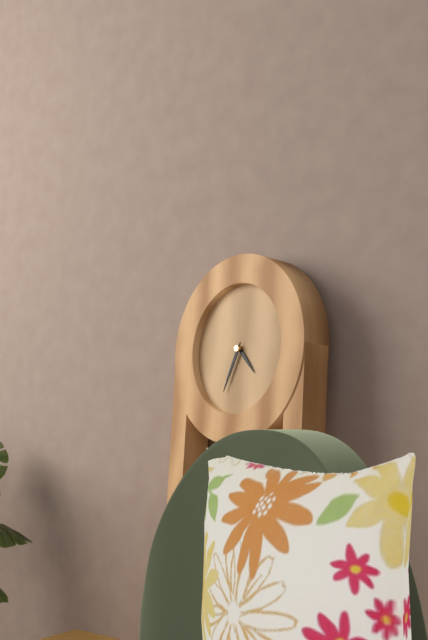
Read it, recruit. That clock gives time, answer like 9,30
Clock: 4,34
